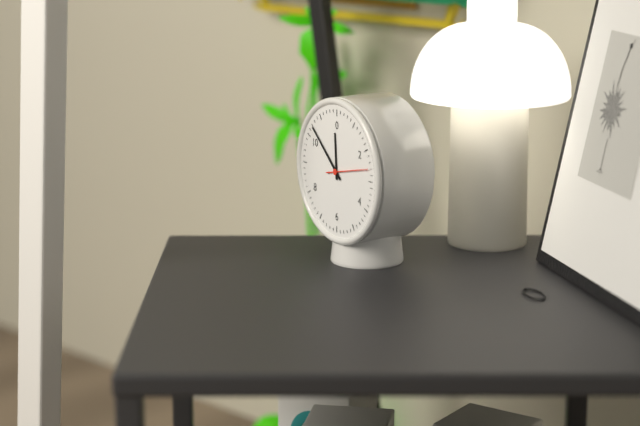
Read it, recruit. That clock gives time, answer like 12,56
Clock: 11,52
